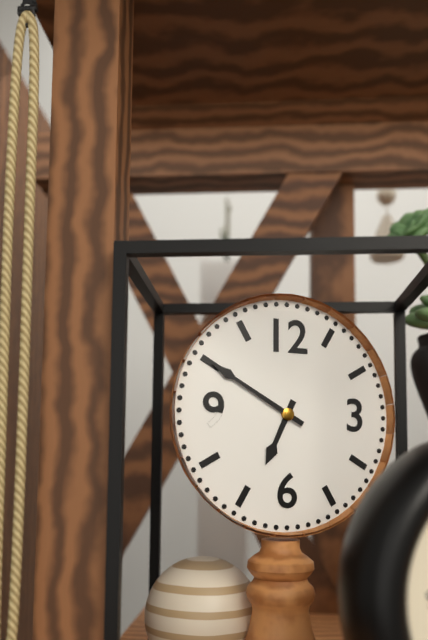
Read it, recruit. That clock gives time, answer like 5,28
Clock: 6,50
